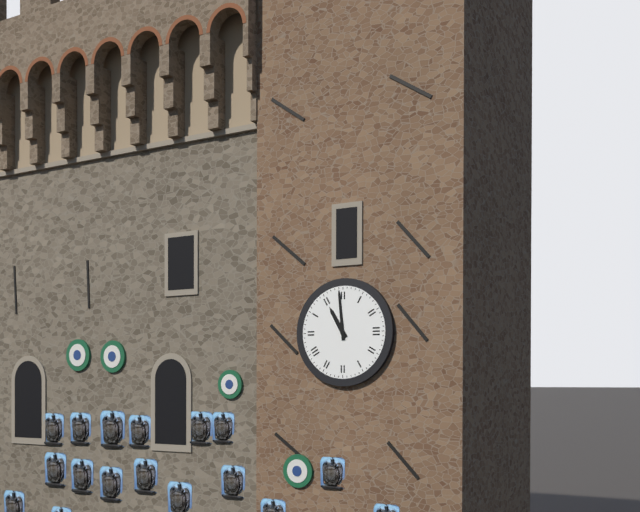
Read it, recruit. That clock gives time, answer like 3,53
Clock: 10,59
